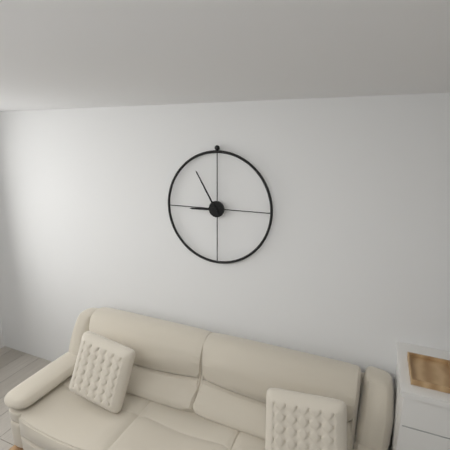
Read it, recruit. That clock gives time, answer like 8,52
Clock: 8,55
